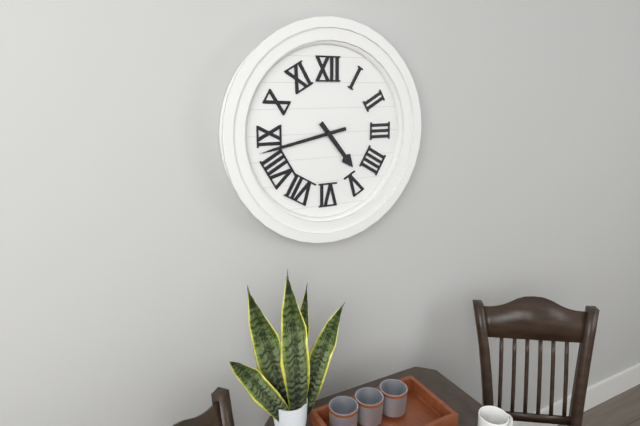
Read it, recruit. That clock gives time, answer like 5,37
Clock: 4,43
